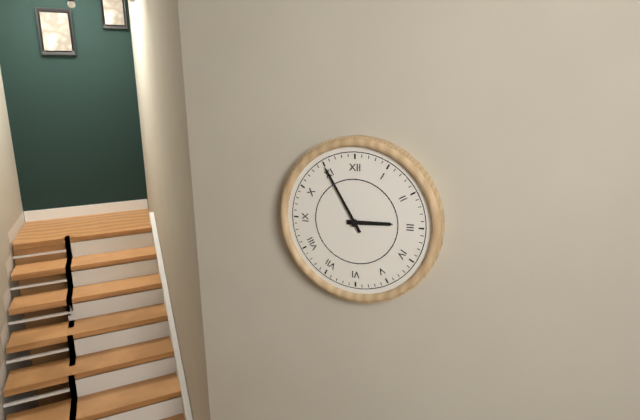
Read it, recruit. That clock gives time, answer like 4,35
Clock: 2,55
